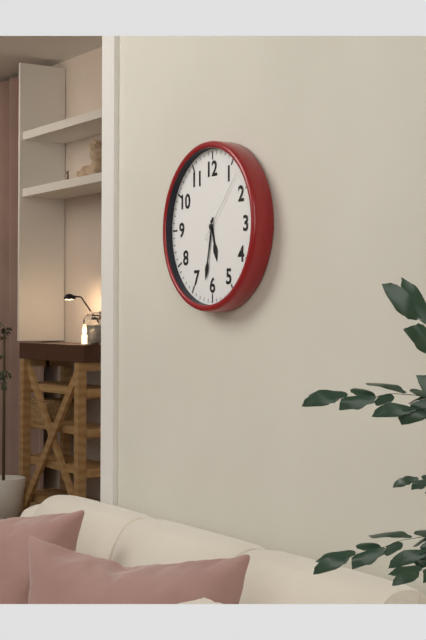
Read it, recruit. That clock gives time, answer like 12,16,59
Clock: 5,32,07
